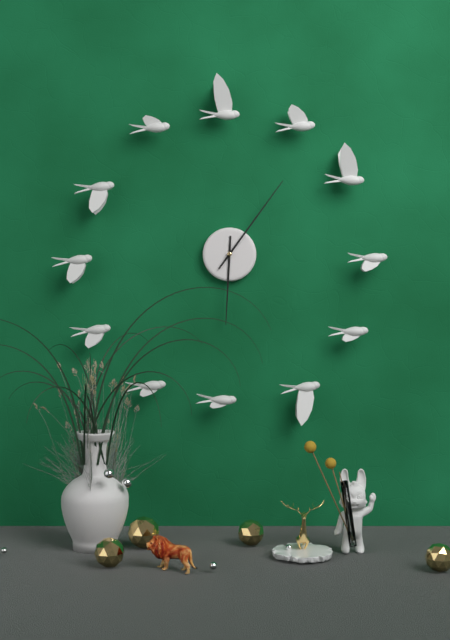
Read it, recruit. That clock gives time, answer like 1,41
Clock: 6,06
